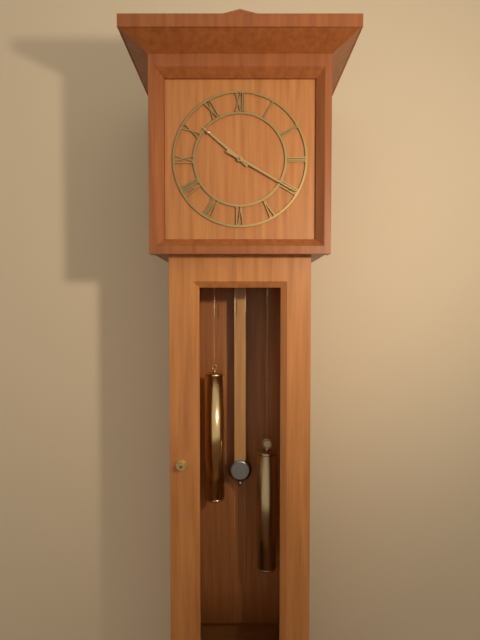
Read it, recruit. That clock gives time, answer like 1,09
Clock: 10,20
